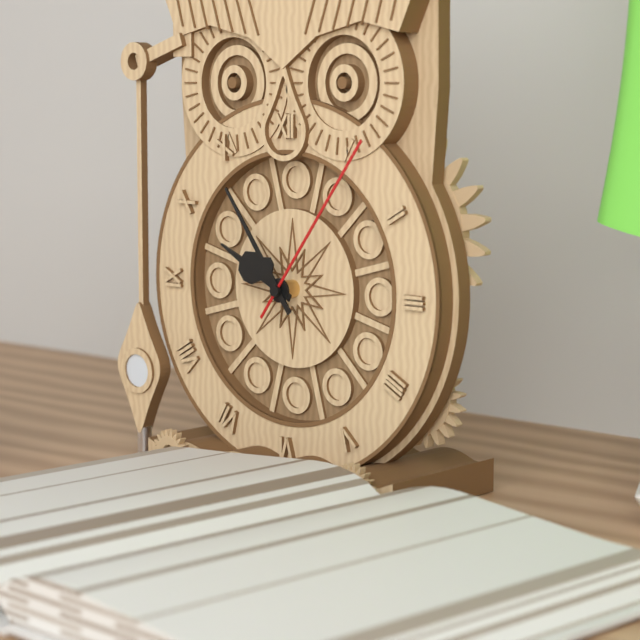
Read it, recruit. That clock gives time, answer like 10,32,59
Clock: 9,54,06
